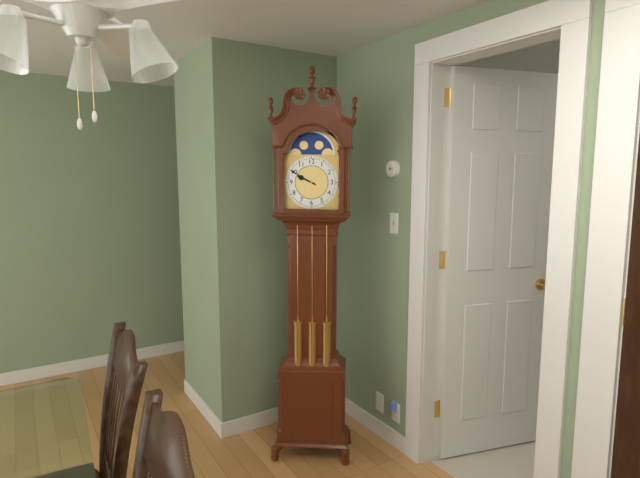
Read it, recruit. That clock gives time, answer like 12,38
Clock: 9,50
